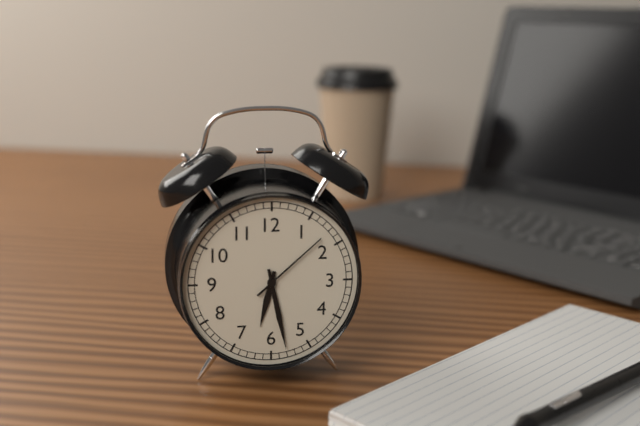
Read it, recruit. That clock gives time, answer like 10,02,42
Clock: 6,28,08
